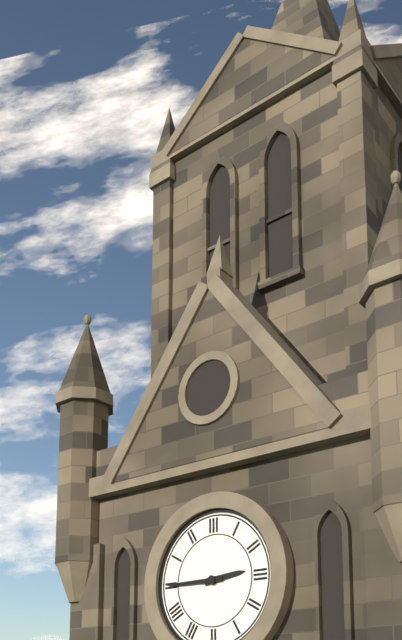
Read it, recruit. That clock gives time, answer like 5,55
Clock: 2,45
